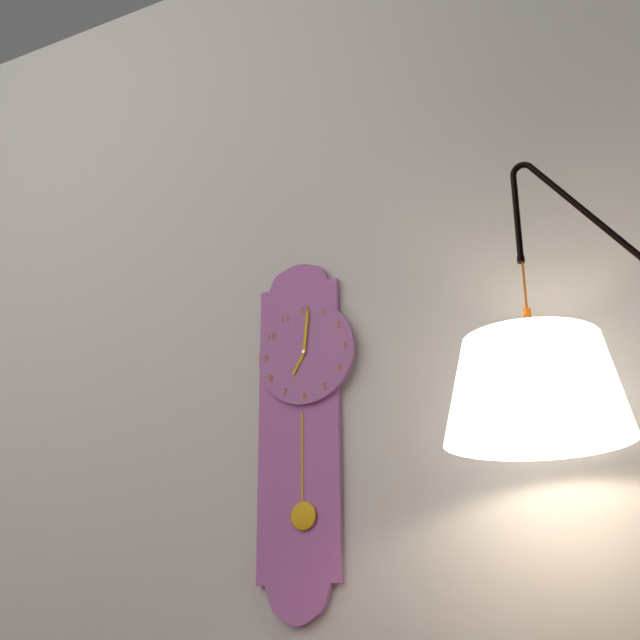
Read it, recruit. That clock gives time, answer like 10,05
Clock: 7,01
